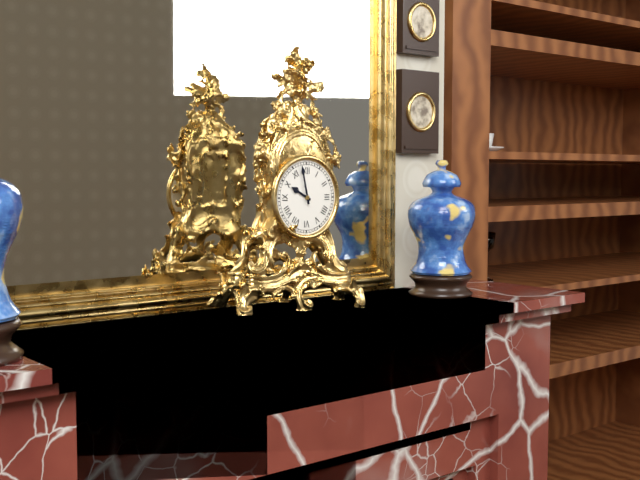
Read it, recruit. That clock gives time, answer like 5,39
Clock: 9,58
